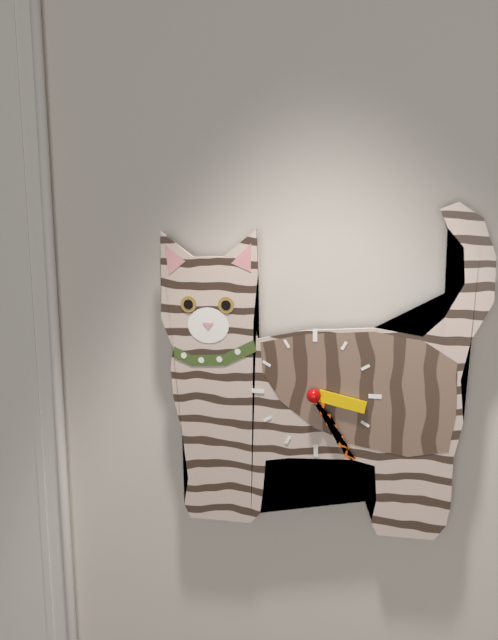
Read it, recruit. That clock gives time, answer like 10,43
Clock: 3,25
